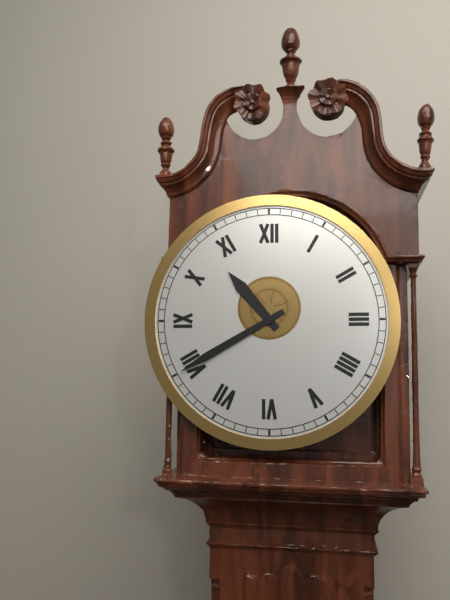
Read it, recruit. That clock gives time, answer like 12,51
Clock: 10,40
